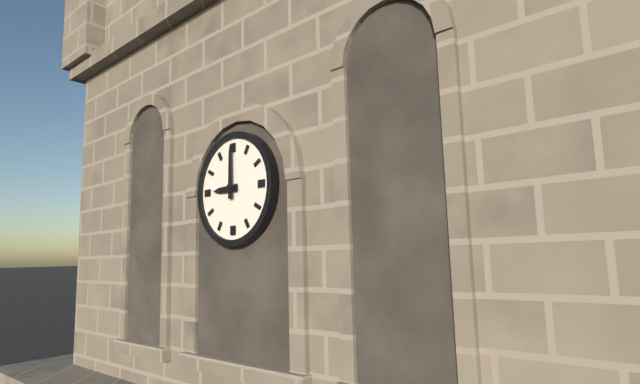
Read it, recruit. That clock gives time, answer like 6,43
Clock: 9,00
